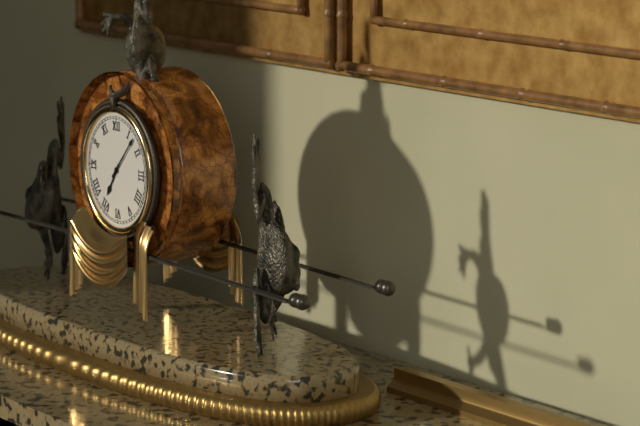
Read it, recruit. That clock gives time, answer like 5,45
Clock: 7,07
